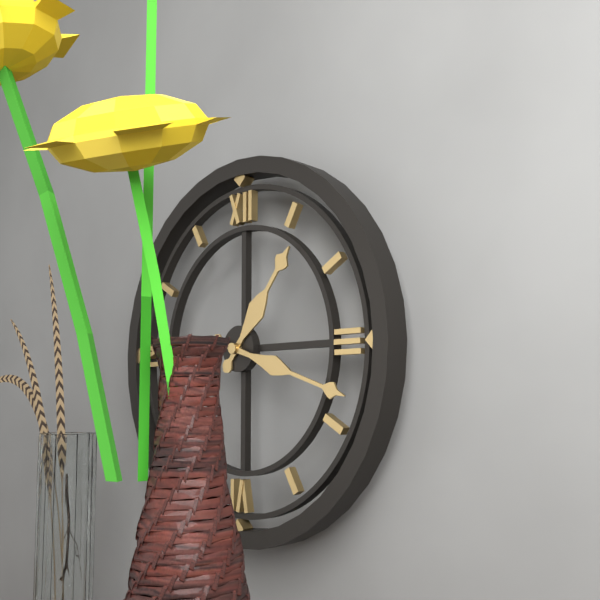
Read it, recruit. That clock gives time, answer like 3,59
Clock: 1,18
